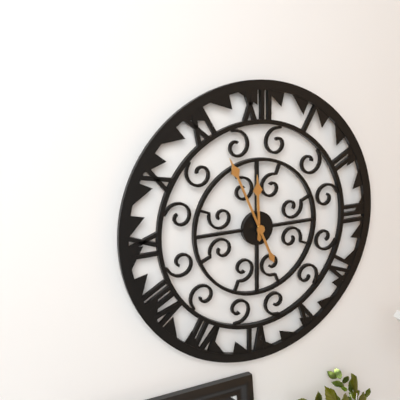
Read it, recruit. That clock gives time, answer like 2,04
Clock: 11,56
